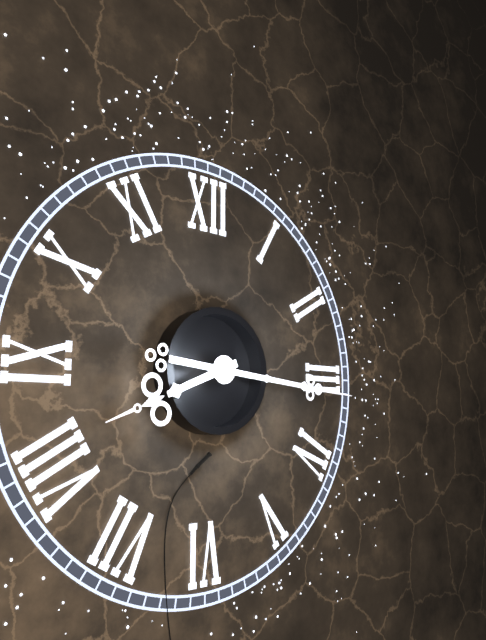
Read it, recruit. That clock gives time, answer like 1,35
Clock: 8,16
